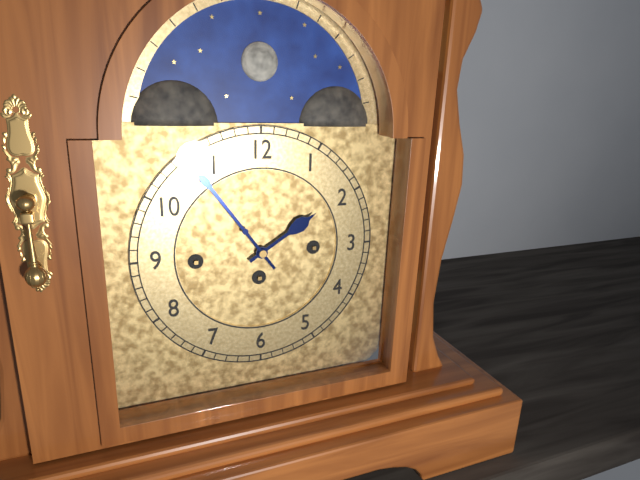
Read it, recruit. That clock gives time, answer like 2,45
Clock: 1,54
